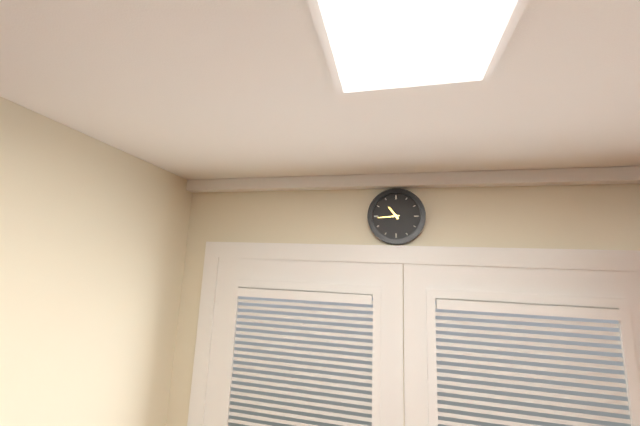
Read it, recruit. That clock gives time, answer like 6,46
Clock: 10,44
